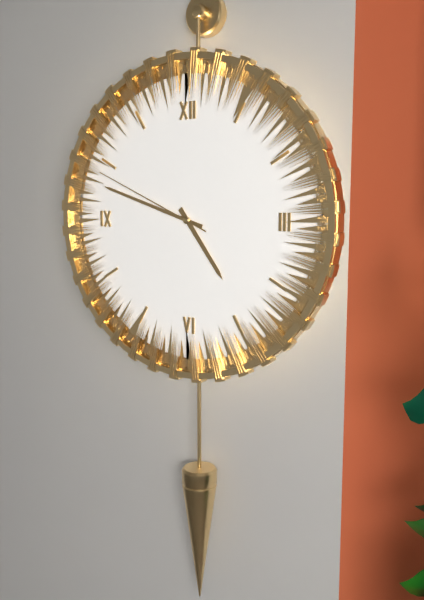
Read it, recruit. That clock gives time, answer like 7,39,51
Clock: 4,48,49
